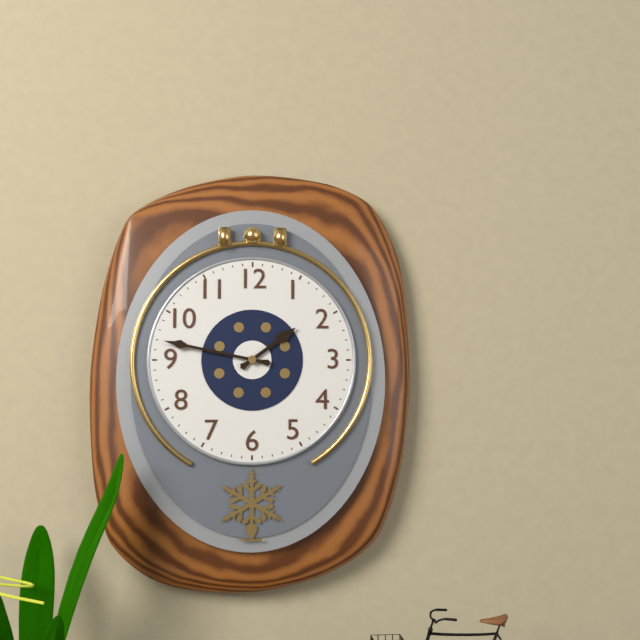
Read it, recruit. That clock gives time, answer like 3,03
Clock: 1,47
